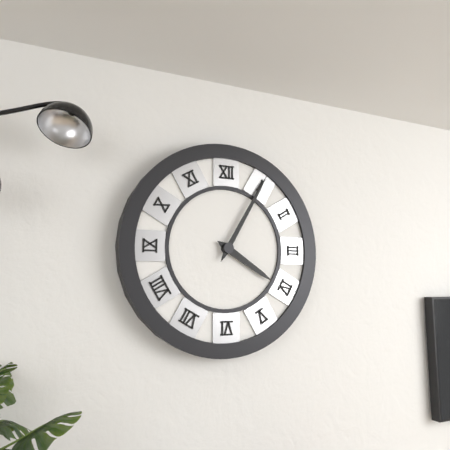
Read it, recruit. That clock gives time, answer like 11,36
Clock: 4,05
